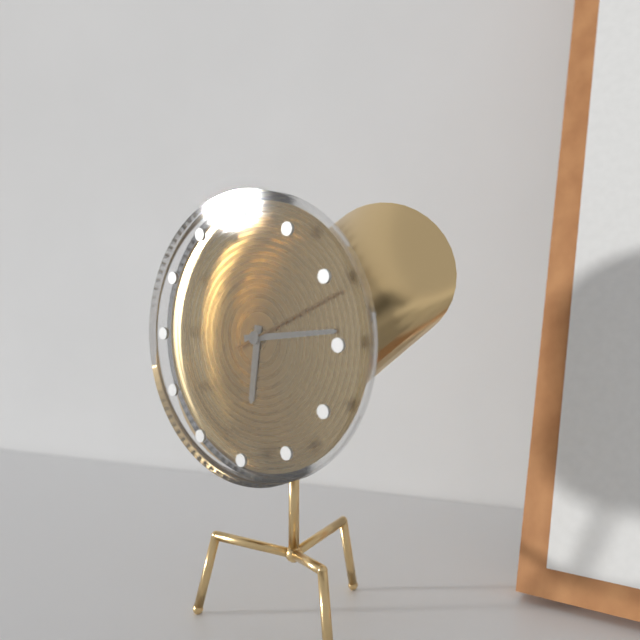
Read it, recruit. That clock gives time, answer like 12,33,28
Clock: 6,14,11
